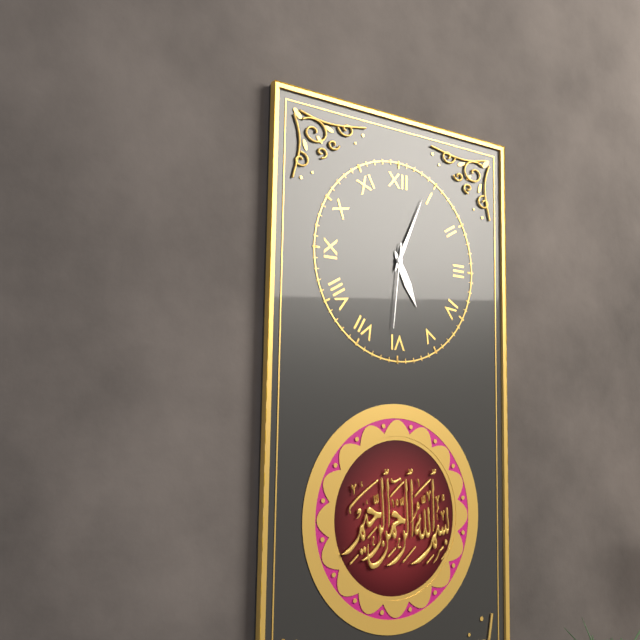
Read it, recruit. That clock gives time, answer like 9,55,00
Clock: 5,04,31
